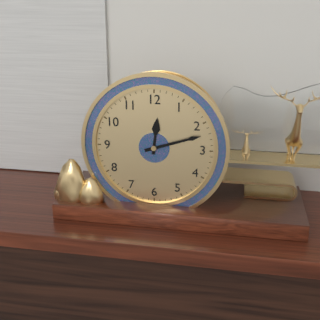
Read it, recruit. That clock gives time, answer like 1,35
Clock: 12,12
